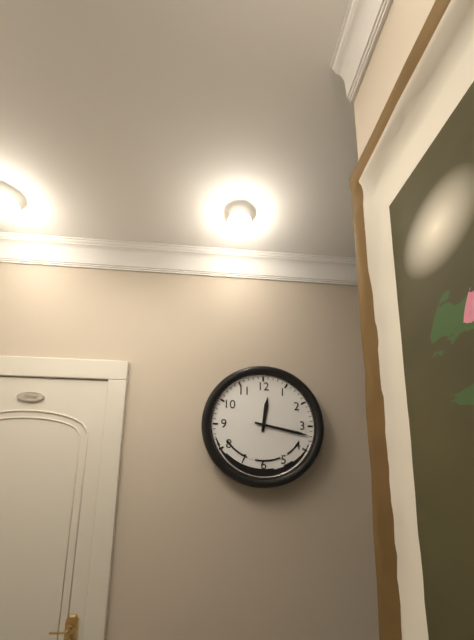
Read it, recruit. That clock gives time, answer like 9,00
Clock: 12,17
